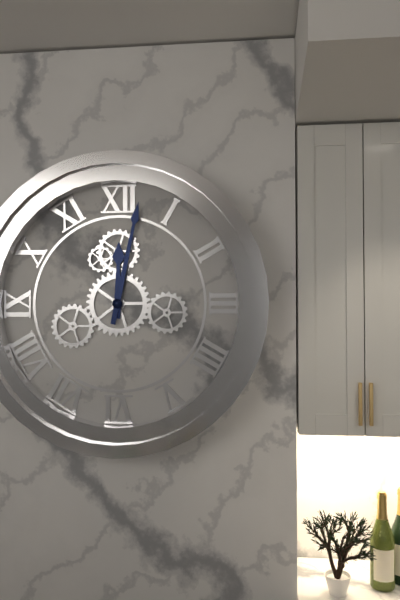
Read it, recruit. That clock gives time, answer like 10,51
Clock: 12,02
